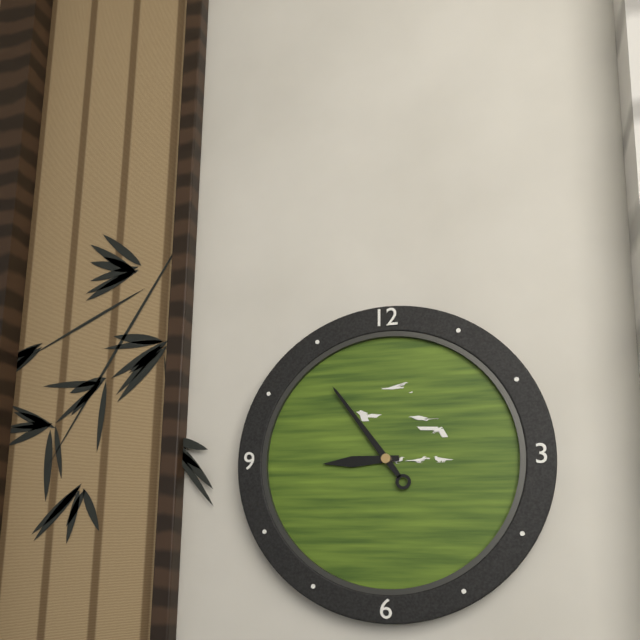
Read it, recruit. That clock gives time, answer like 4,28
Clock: 8,54
